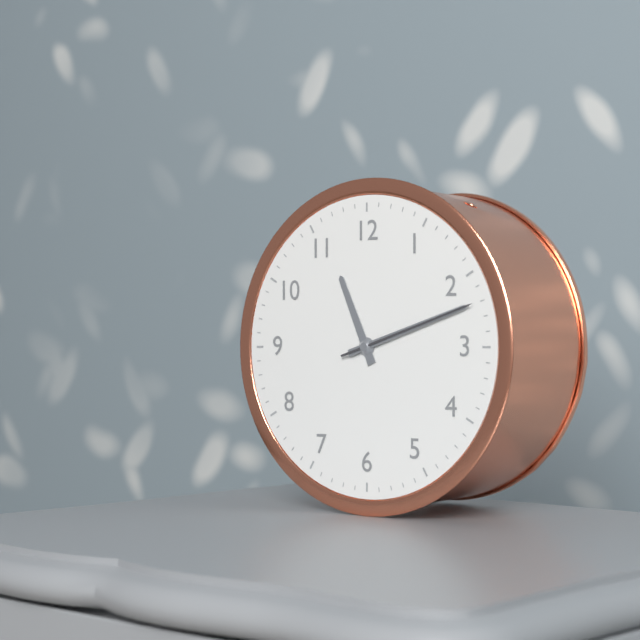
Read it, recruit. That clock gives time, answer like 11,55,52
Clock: 11,12,12
